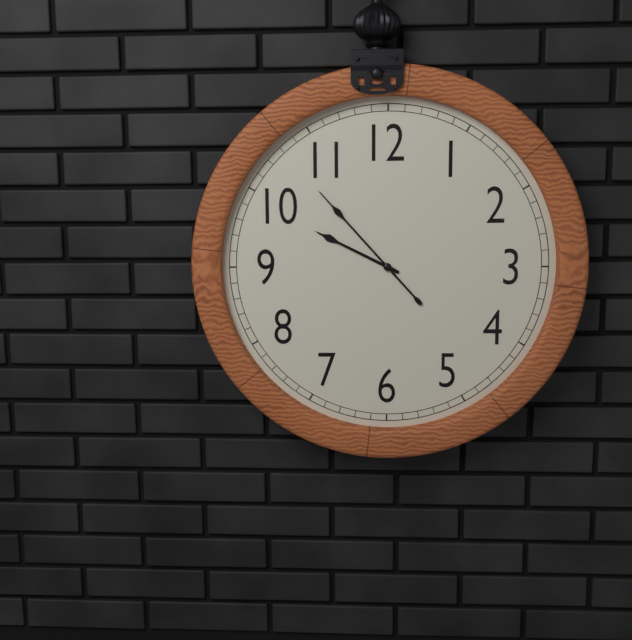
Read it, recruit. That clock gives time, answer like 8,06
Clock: 9,53
